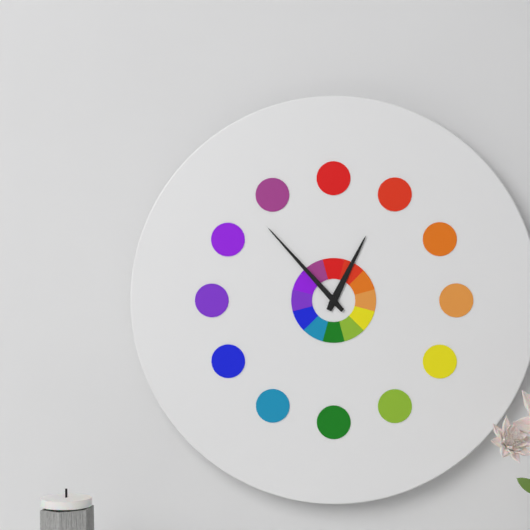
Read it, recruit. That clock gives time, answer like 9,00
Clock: 12,53
